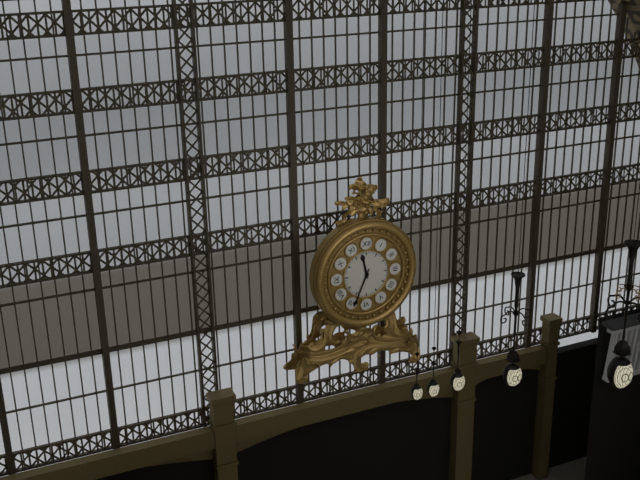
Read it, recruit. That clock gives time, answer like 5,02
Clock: 11,34
